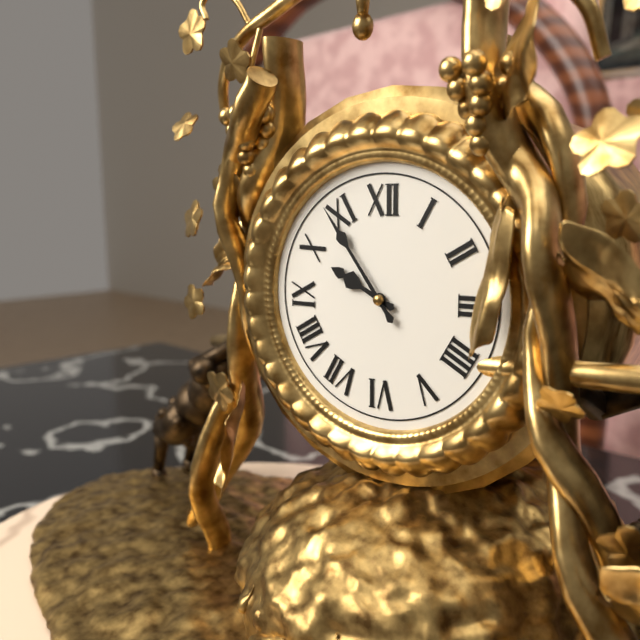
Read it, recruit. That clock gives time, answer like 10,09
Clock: 9,54
